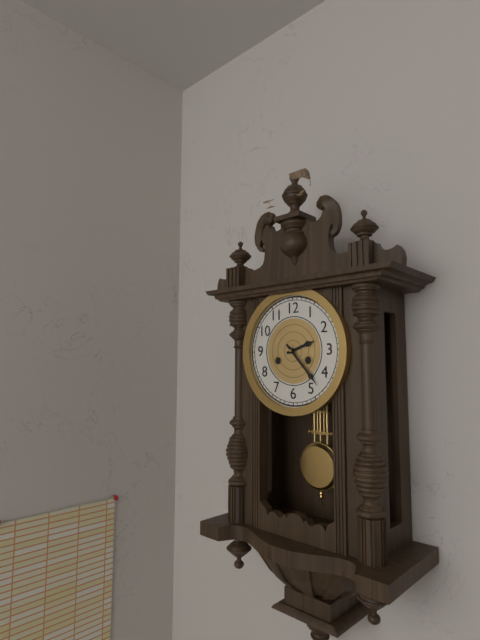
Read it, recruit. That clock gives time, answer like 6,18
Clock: 2,23
